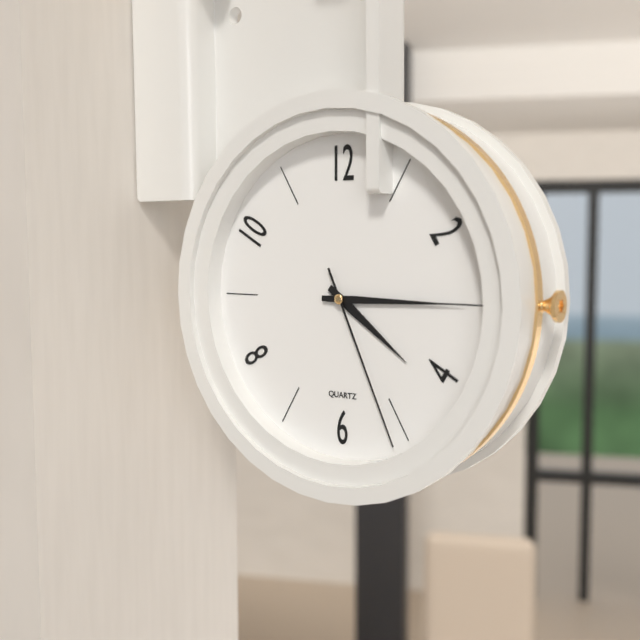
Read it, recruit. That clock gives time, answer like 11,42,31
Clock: 4,15,26
